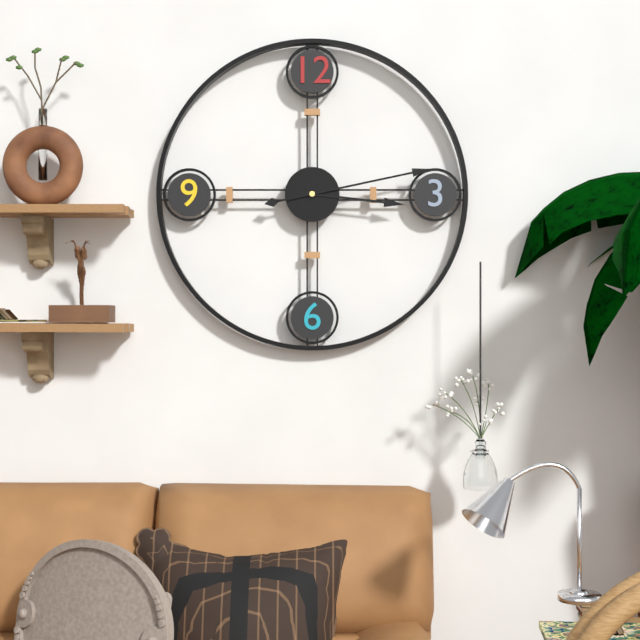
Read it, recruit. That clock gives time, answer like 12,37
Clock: 3,13
